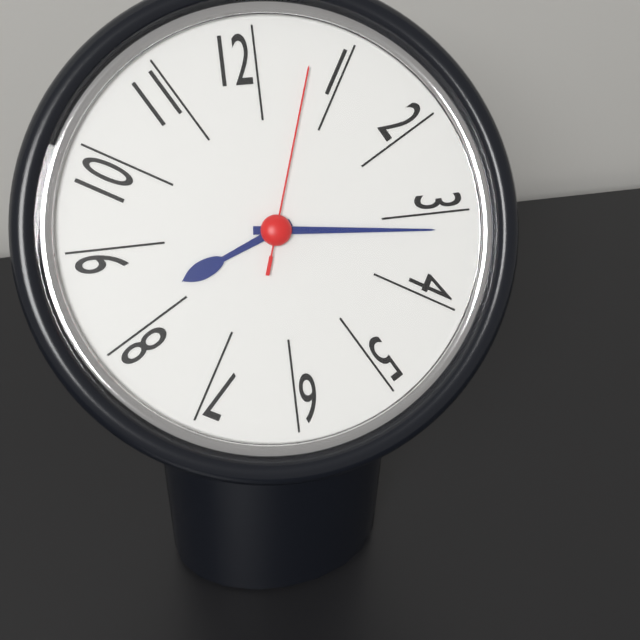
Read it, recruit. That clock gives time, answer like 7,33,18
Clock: 8,16,03
